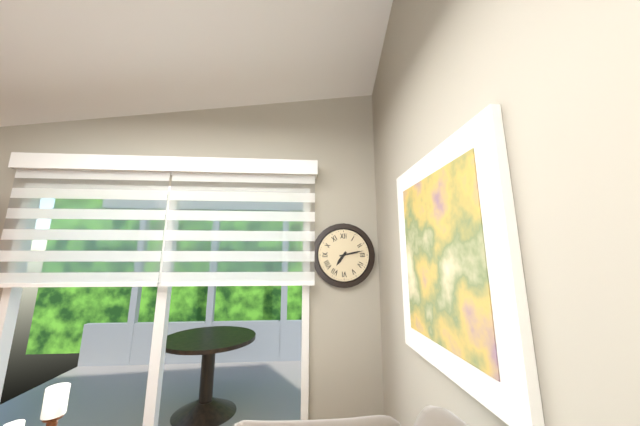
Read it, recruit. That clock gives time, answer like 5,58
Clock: 7,13
